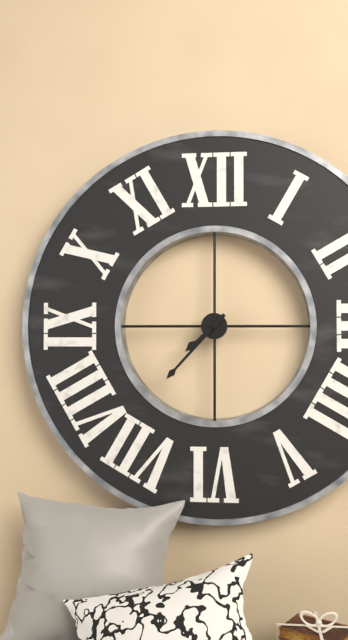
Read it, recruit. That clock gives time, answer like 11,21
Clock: 7,37
